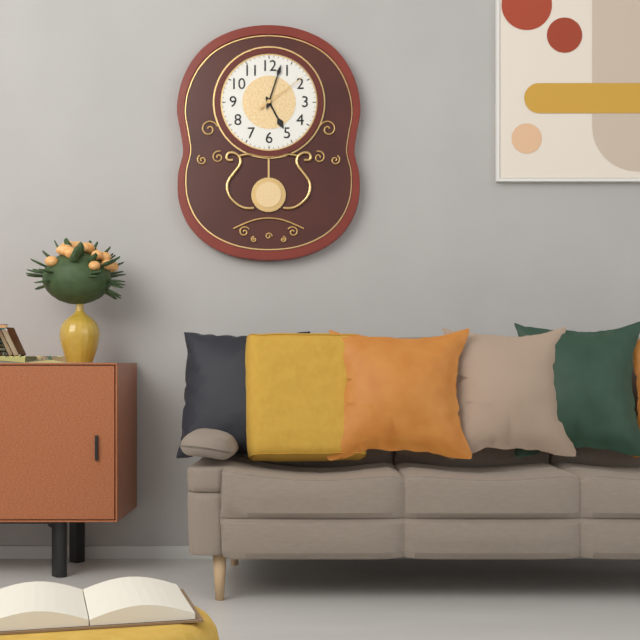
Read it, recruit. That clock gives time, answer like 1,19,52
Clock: 5,03,09
